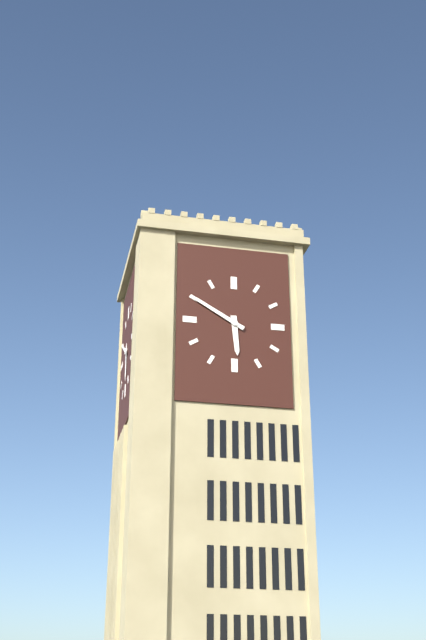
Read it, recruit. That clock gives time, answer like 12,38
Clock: 5,50
